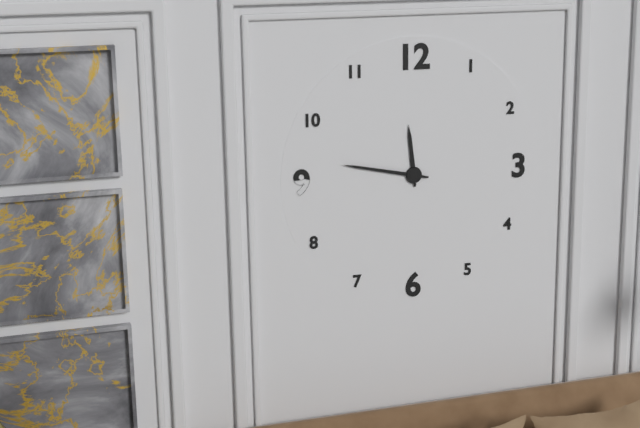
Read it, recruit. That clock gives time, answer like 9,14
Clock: 11,47
